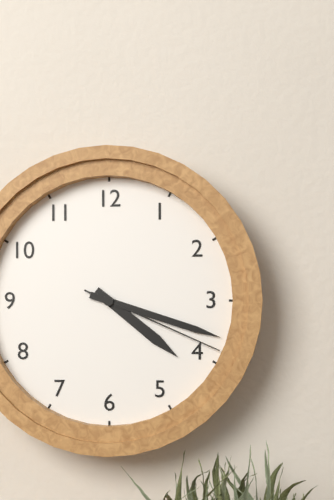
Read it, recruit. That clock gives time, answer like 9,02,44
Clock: 4,18,19
